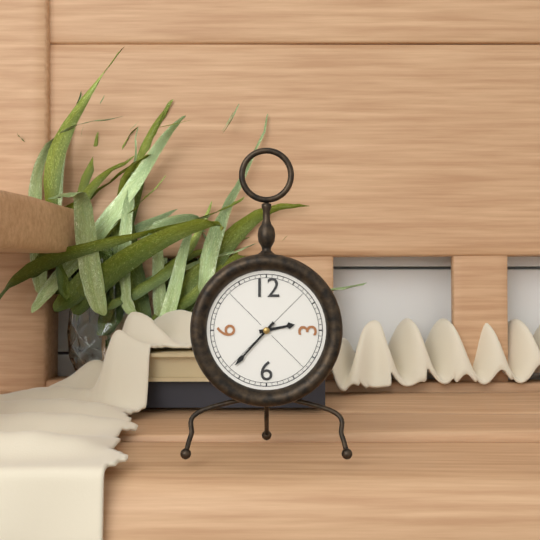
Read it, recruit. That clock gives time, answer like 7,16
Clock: 2,37
